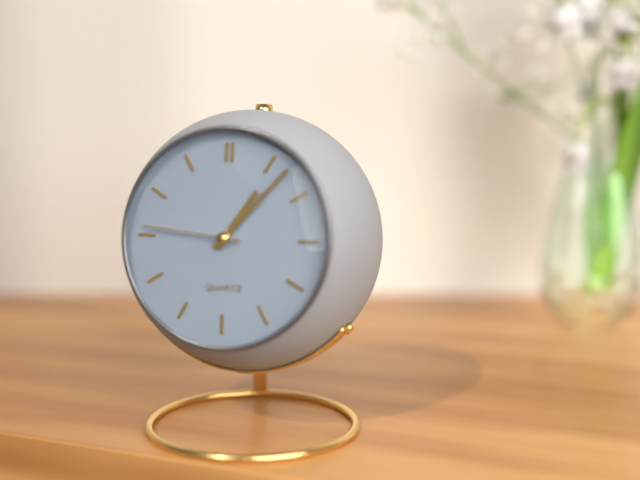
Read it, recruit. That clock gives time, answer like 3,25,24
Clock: 1,07,46
